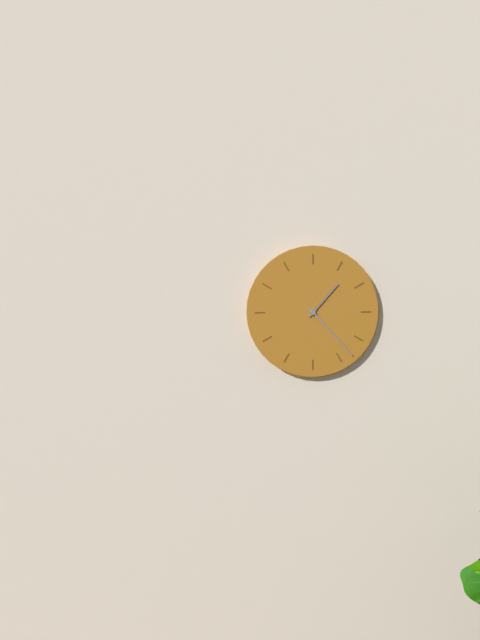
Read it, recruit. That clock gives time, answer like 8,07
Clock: 1,23
